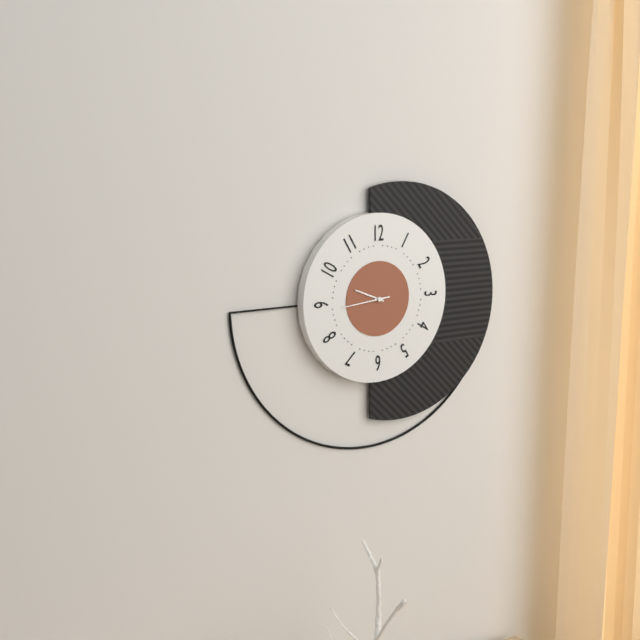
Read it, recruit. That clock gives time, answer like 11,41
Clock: 9,44
